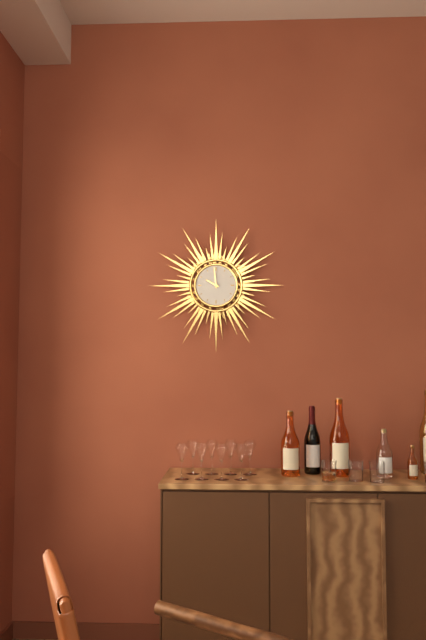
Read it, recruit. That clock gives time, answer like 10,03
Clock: 9,59
